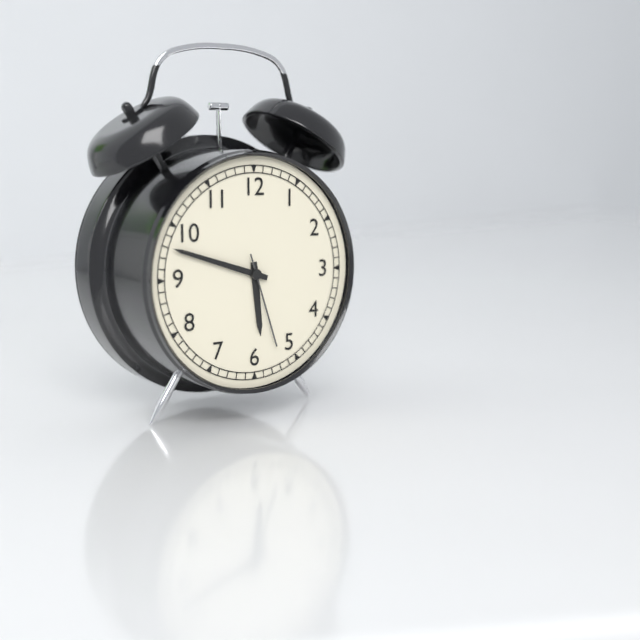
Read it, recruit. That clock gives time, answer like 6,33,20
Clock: 5,48,27
